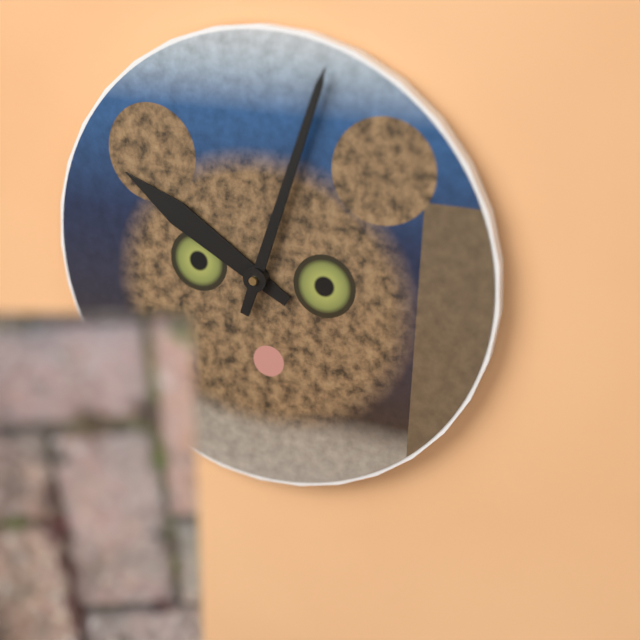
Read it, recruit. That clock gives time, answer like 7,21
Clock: 10,03
